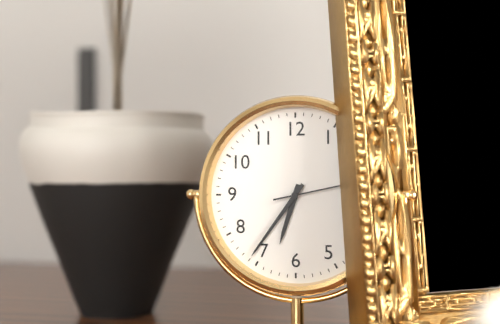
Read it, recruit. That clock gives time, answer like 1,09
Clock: 6,36
